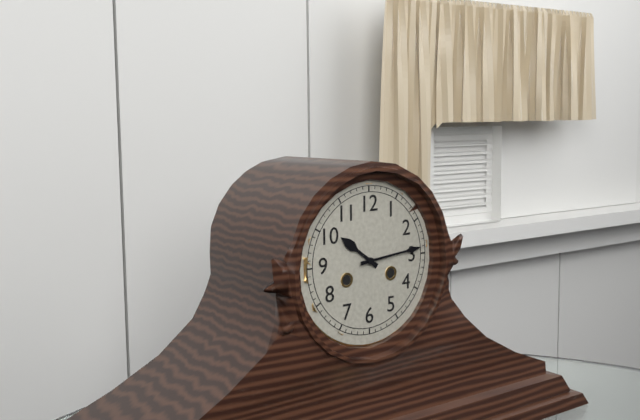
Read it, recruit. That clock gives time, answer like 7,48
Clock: 10,14
